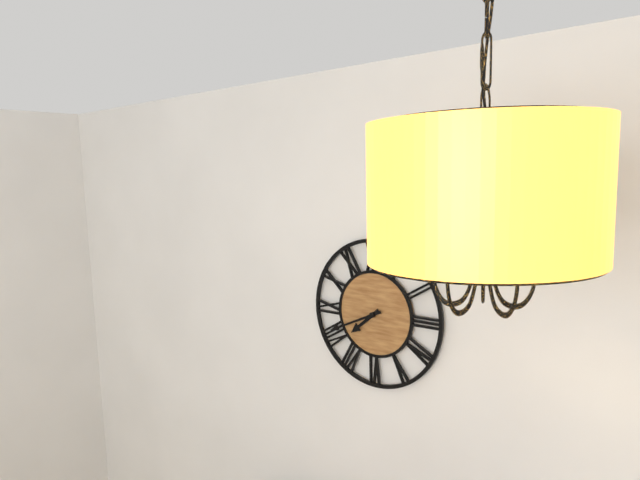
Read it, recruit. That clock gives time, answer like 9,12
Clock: 7,41
